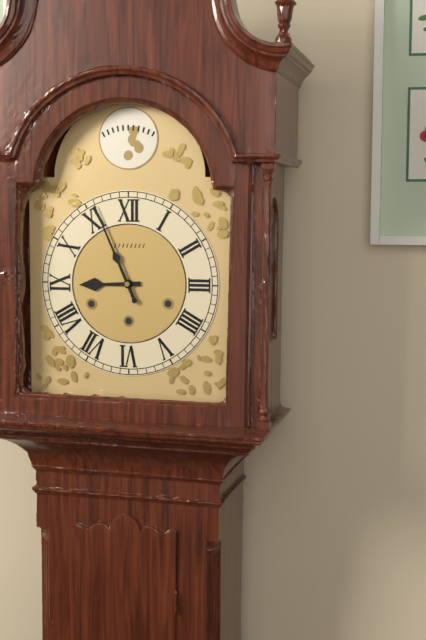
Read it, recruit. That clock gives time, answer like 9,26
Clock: 8,56
